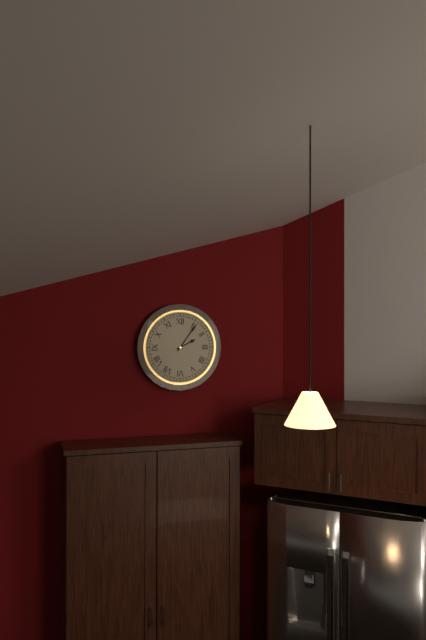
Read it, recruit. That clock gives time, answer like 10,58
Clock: 2,06
